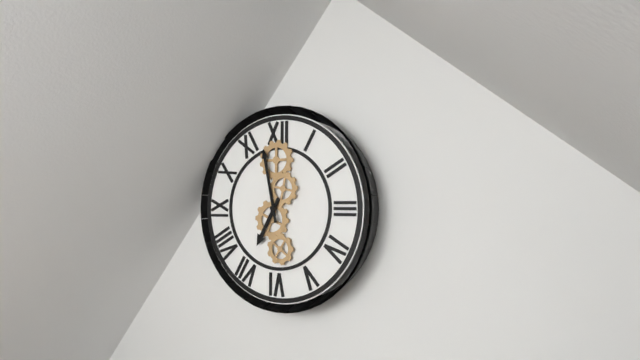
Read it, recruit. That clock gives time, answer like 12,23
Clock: 6,58
